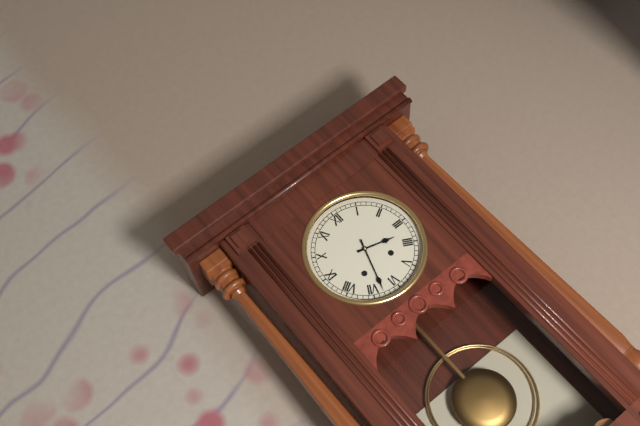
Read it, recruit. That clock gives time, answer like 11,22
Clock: 3,33
